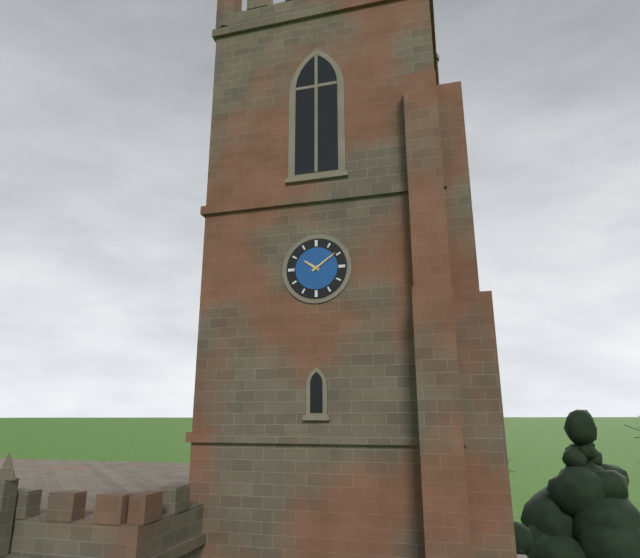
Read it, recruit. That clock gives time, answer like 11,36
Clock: 10,09
